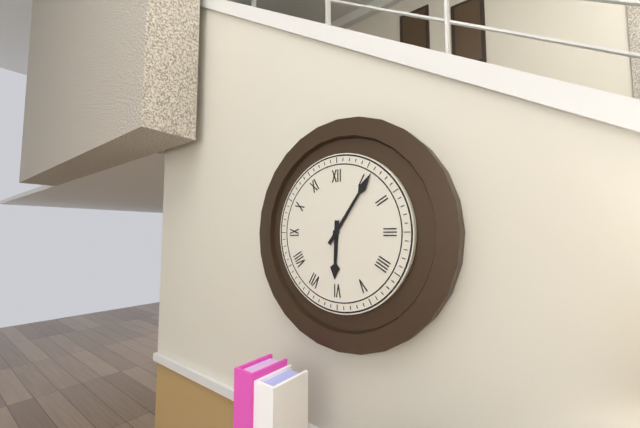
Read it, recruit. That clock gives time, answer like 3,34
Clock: 6,06
